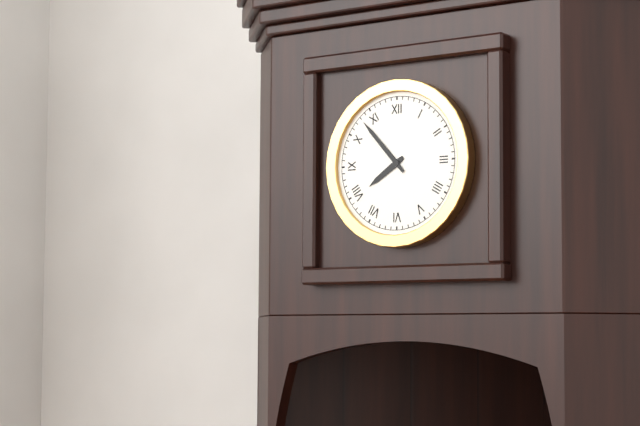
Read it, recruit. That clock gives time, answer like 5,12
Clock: 7,53
